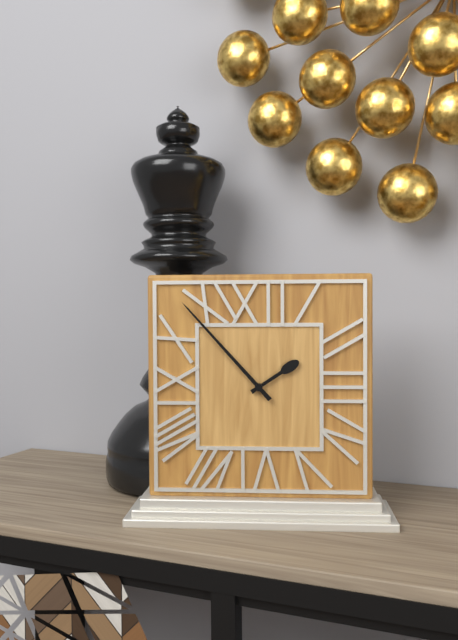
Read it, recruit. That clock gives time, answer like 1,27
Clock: 1,53
